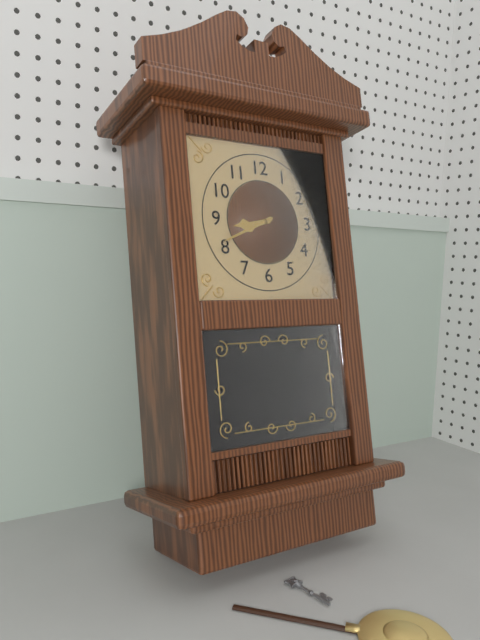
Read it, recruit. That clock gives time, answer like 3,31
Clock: 8,41
